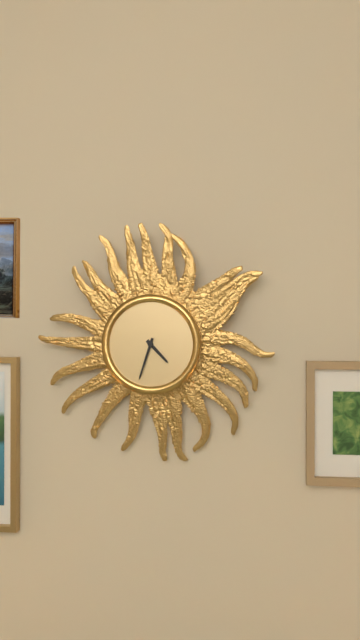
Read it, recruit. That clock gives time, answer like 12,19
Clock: 4,33
